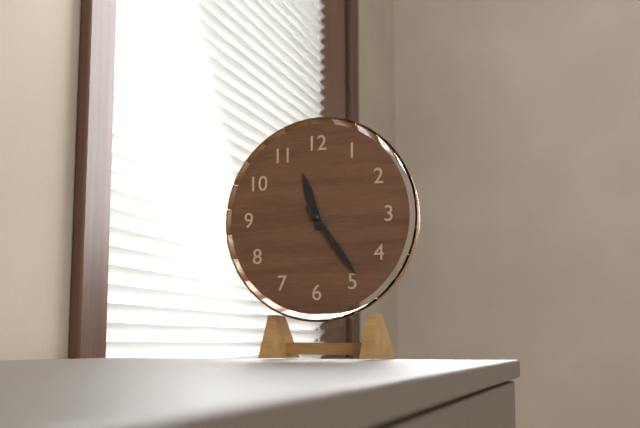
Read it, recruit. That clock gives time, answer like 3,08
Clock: 11,24
